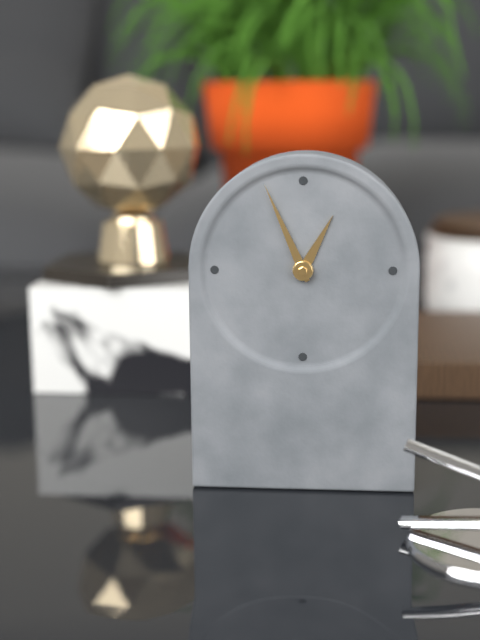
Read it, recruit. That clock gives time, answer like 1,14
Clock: 12,56
